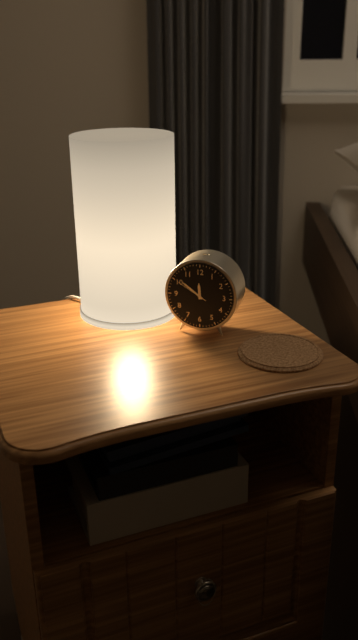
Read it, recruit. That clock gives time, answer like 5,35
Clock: 11,51
